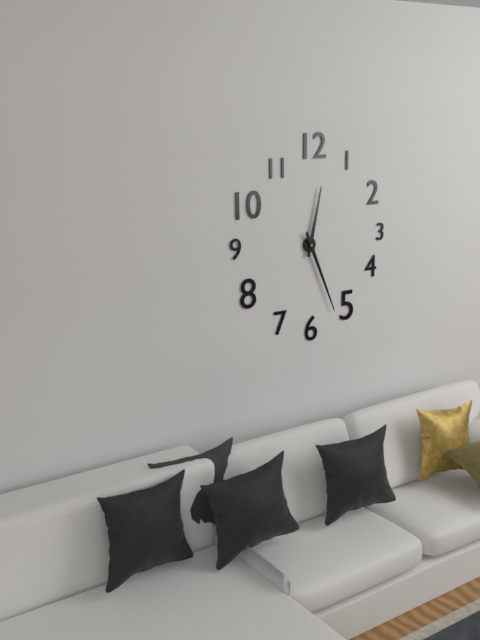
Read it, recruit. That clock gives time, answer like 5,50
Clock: 12,26
